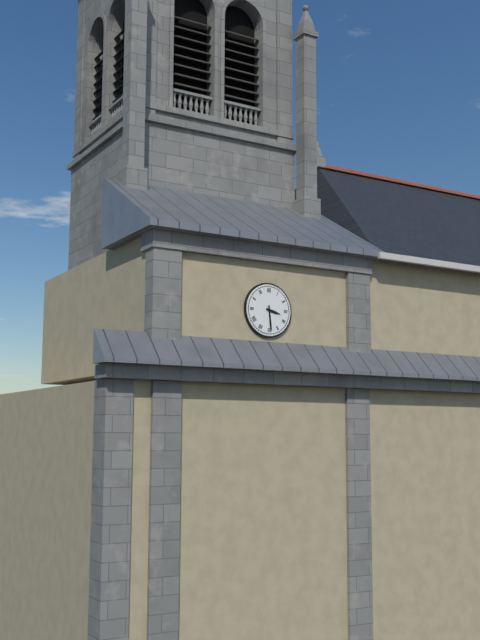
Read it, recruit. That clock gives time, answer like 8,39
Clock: 3,29
